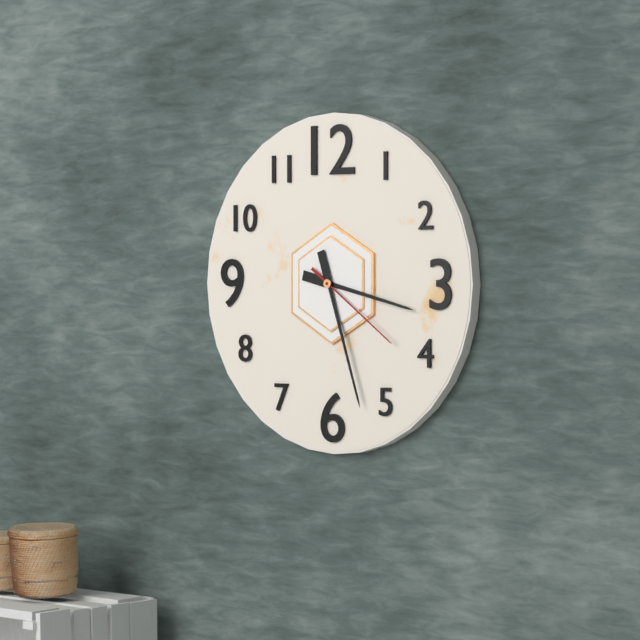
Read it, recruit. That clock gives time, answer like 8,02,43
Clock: 3,27,21
